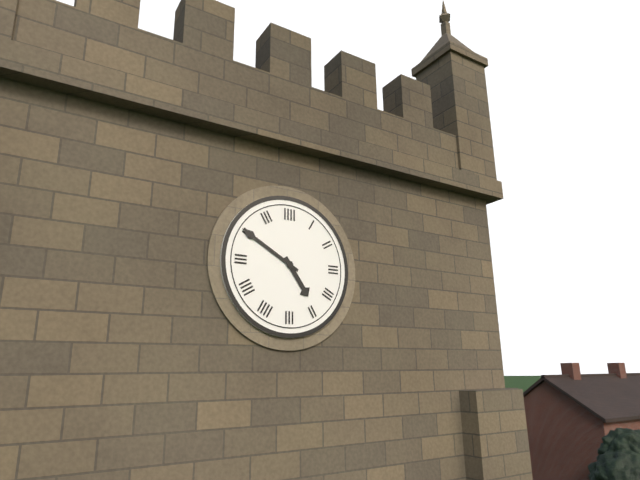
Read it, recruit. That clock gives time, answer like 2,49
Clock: 4,50
